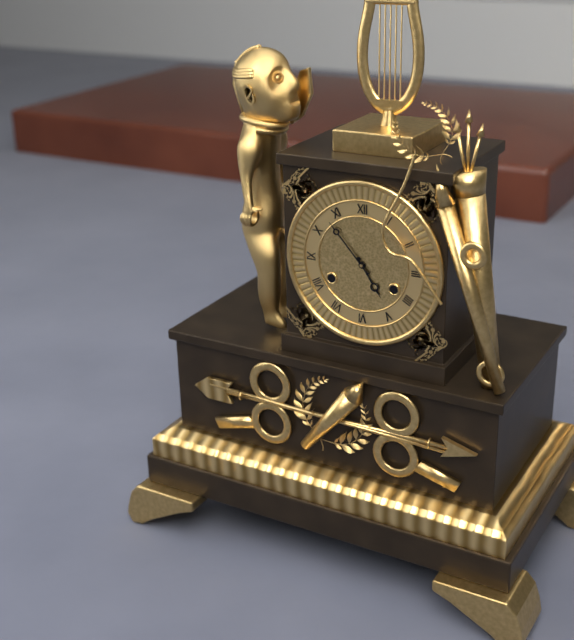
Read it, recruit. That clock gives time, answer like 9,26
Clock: 4,53
